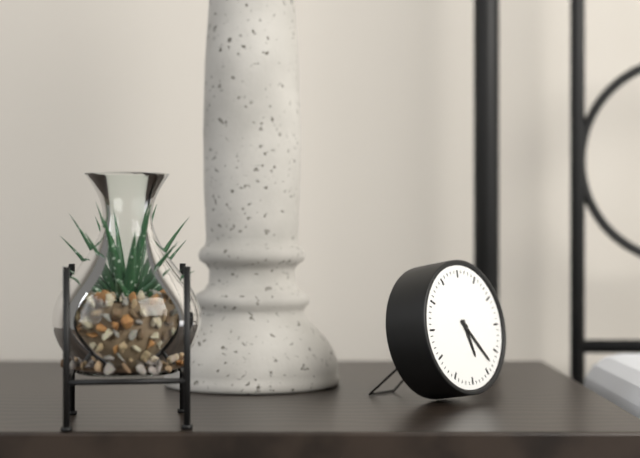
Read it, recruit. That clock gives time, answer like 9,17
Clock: 5,23
